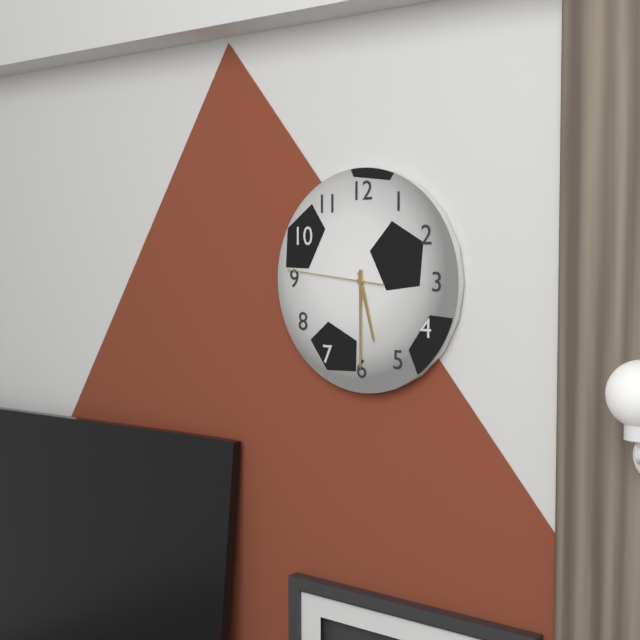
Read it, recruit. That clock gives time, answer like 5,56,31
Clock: 5,30,46
